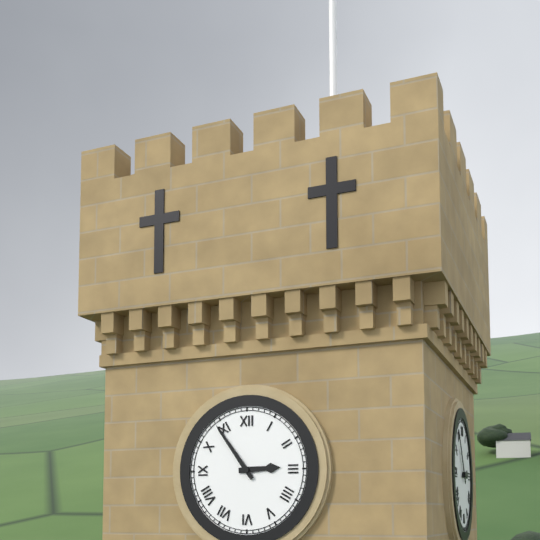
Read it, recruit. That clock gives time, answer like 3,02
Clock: 2,54
